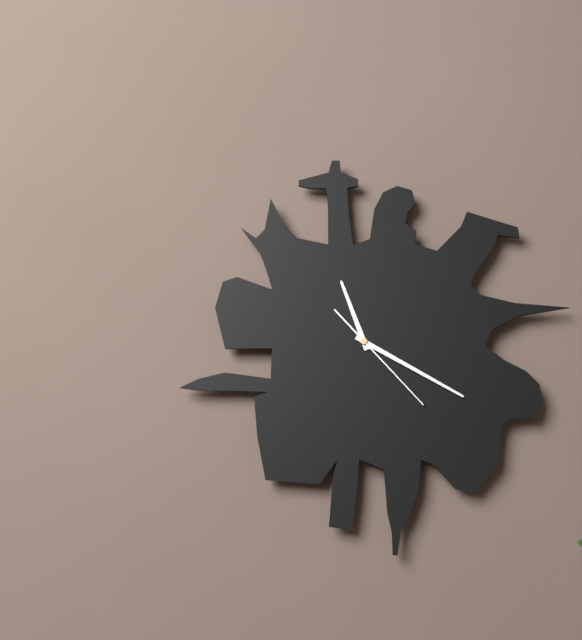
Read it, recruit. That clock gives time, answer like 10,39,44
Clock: 11,20,23
